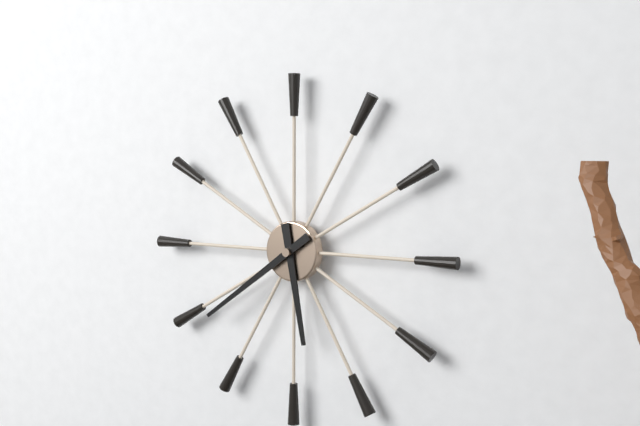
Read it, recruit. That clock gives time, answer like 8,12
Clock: 5,39
